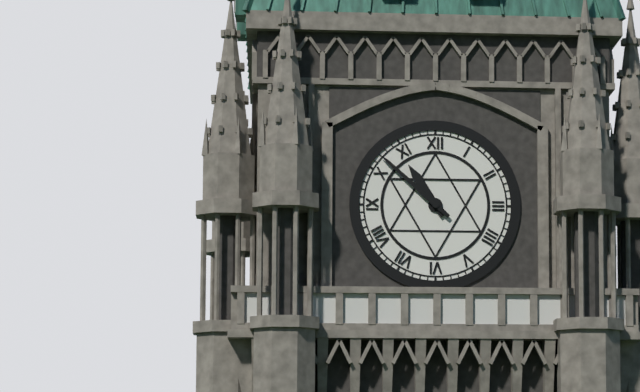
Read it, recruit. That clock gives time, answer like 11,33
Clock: 10,52
